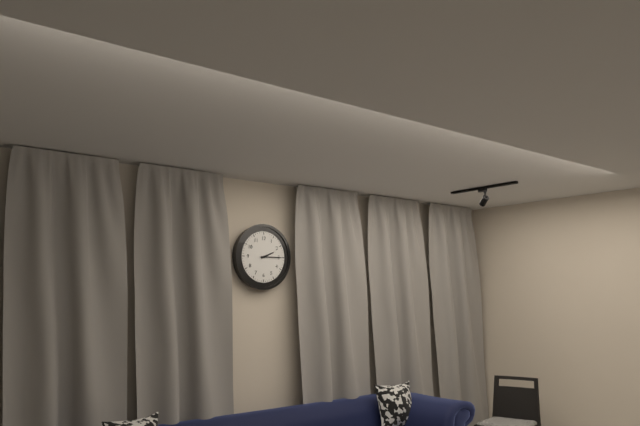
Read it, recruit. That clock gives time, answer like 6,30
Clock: 2,15
